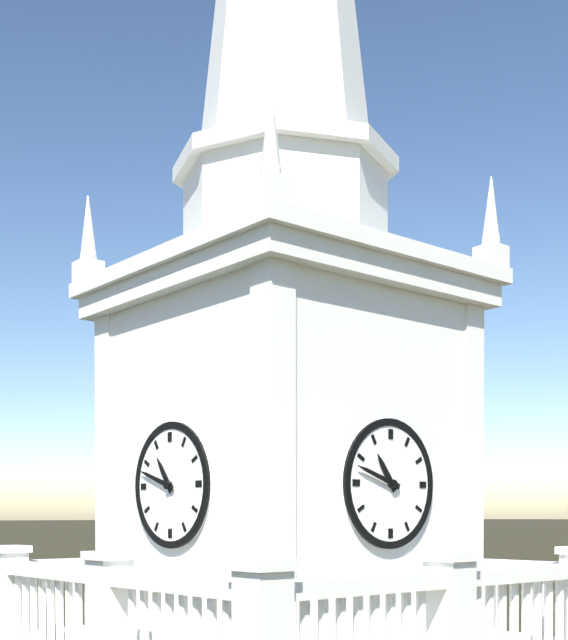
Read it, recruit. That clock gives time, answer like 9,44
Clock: 10,48
